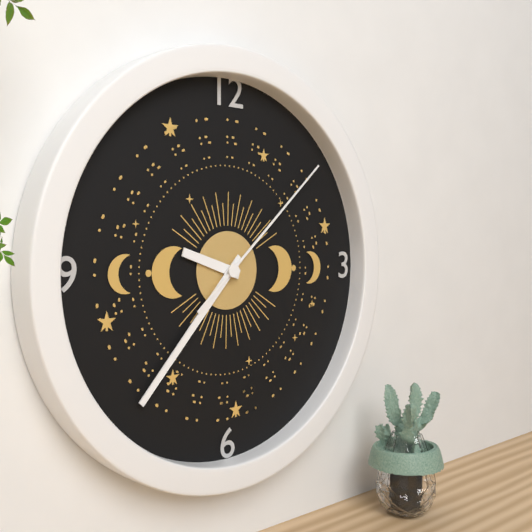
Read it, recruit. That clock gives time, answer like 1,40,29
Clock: 9,37,08
